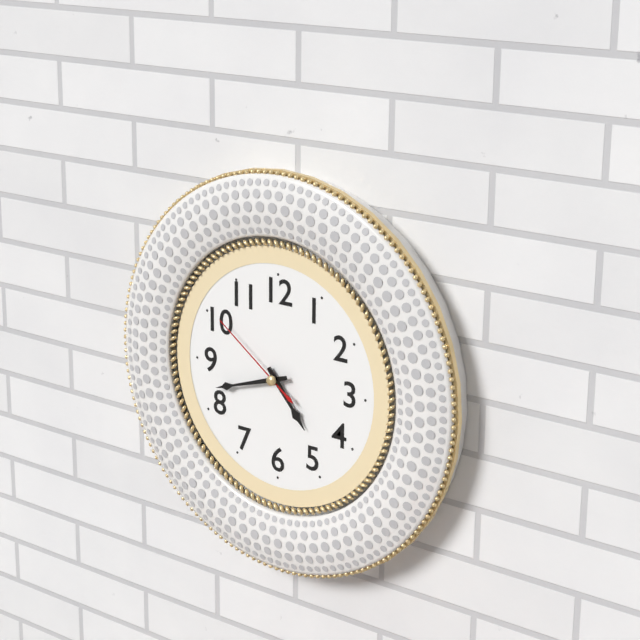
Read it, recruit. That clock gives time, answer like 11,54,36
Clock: 4,42,51
